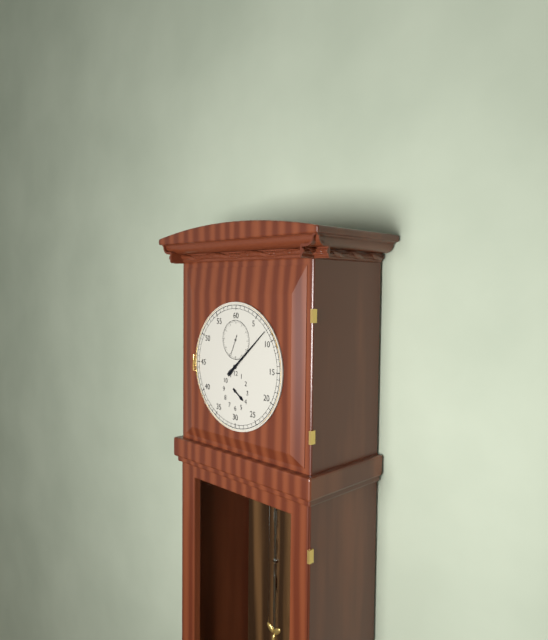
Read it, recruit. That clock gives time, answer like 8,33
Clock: 4,08
